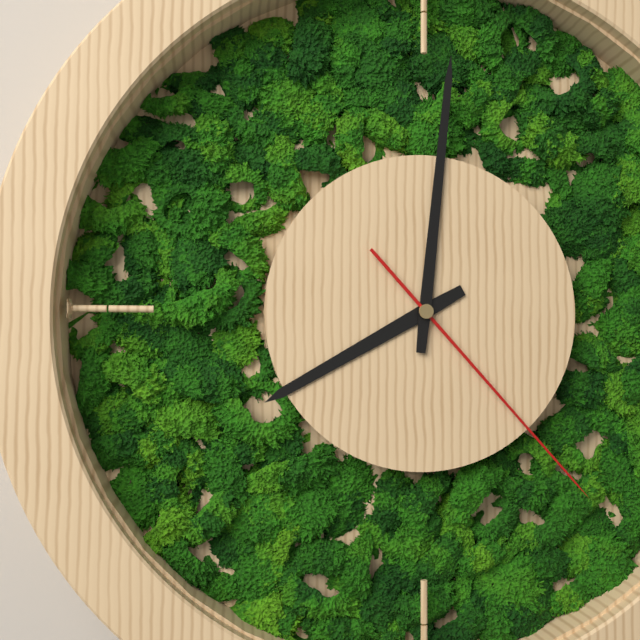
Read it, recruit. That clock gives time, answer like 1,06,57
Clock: 8,01,23
